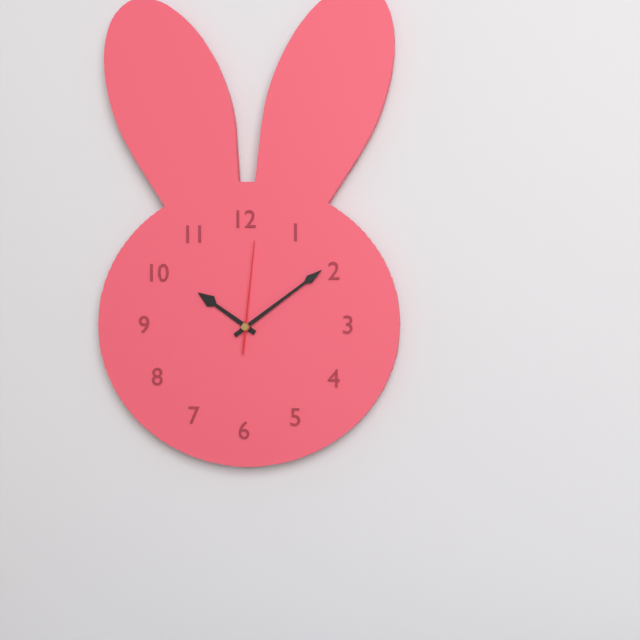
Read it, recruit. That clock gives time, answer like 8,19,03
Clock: 10,09,01
